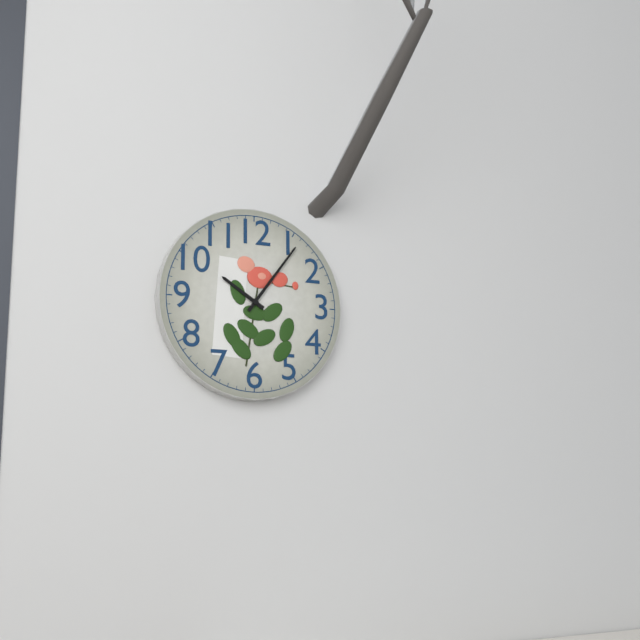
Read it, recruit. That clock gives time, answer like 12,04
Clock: 10,06
